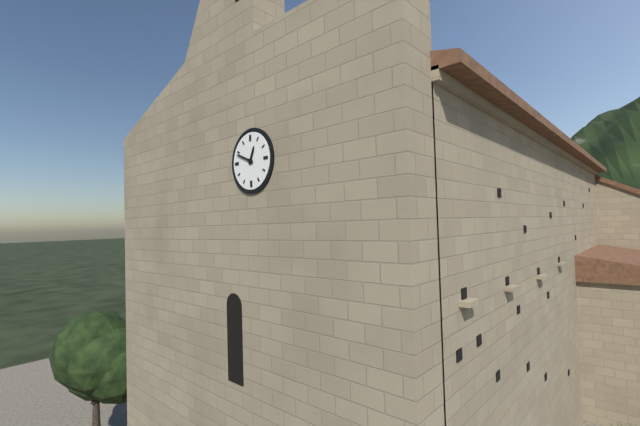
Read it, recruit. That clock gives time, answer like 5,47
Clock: 12,49
